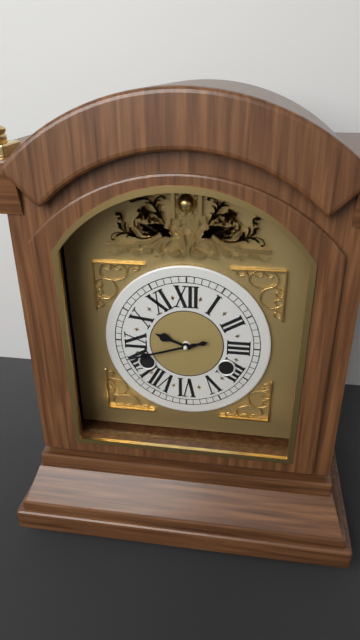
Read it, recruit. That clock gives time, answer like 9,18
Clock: 9,42
